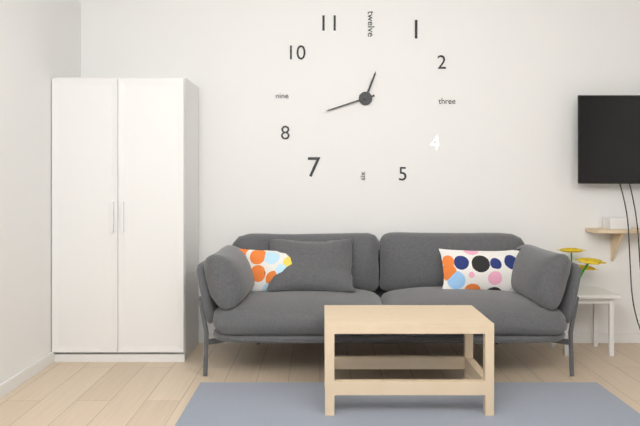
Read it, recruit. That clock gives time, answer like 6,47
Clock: 12,42
